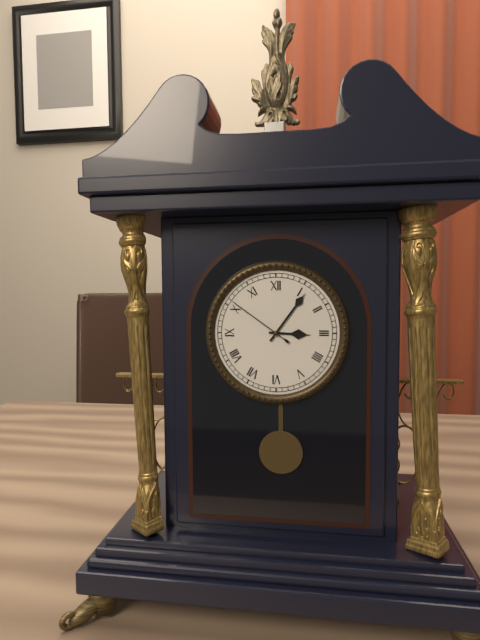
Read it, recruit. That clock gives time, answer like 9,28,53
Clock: 3,06,51
